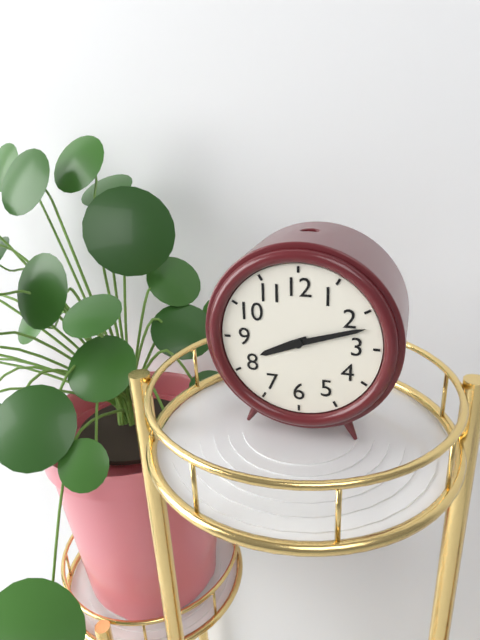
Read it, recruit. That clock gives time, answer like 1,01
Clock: 8,12
